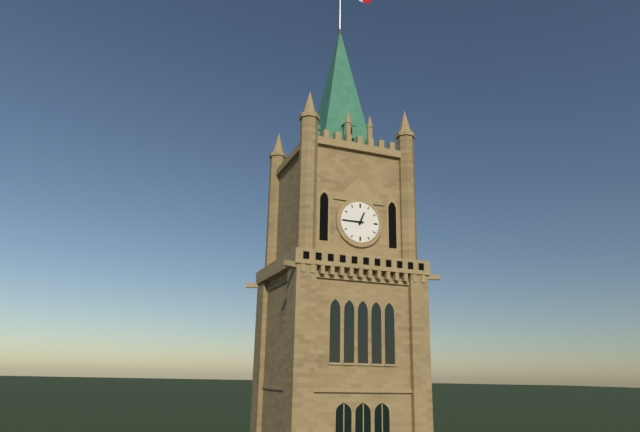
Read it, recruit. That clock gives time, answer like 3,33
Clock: 12,45
